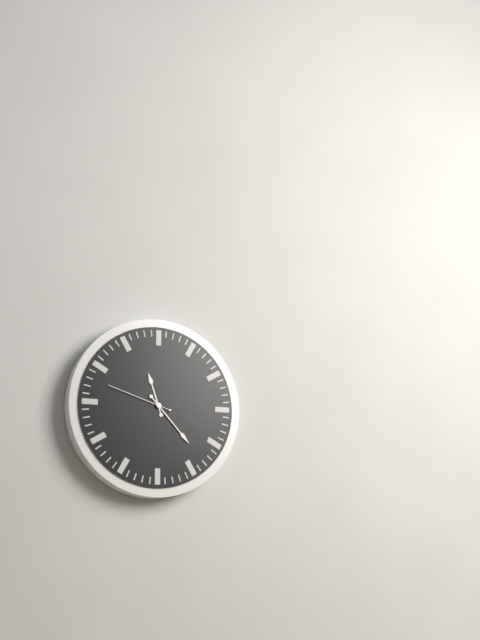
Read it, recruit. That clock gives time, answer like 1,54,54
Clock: 11,23,48
